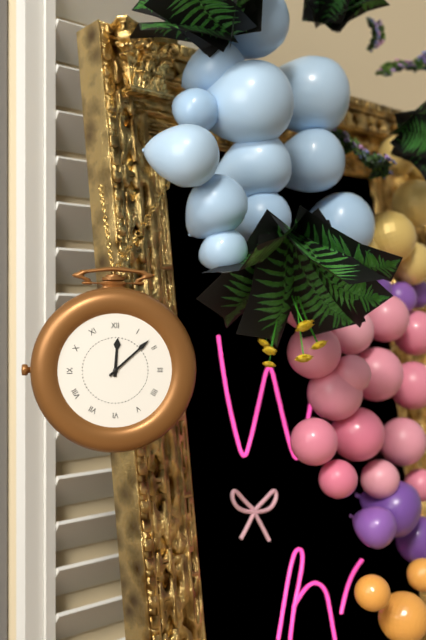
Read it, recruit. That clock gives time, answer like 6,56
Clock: 12,08
